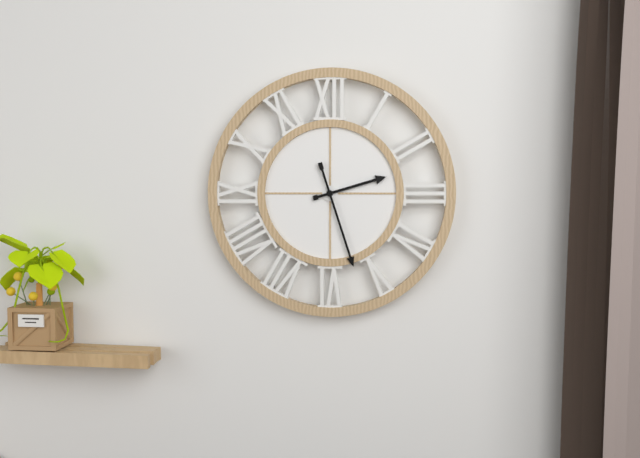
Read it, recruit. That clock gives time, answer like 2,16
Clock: 2,27
